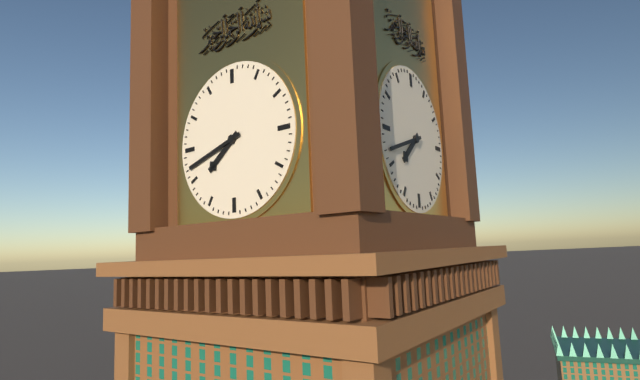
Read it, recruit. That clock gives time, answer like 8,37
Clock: 7,42
